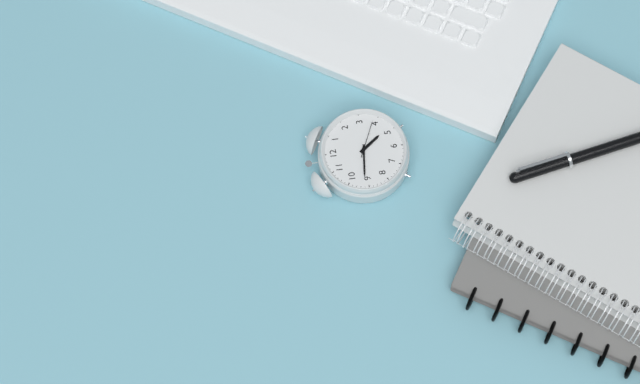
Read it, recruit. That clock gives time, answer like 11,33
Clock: 4,46
